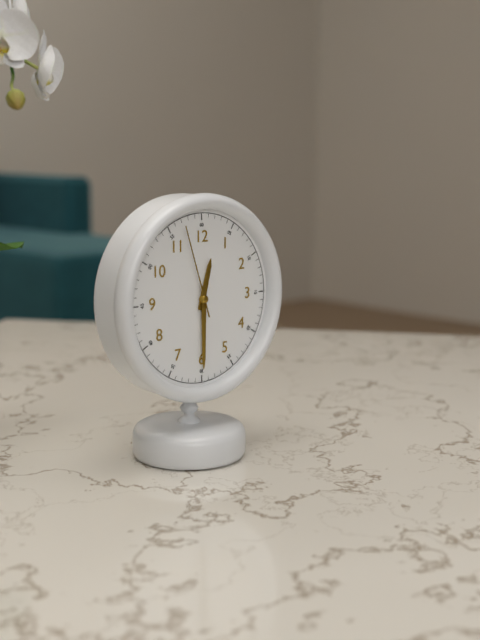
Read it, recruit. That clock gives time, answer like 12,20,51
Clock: 12,30,57
